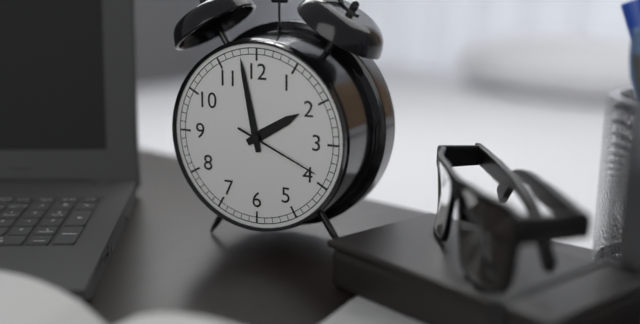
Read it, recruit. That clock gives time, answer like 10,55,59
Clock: 1,58,19
